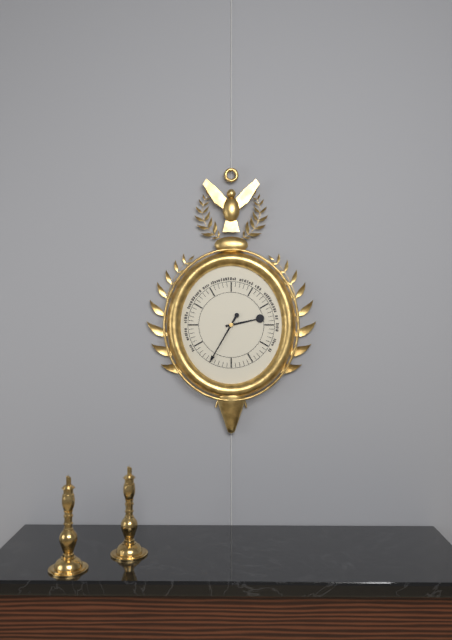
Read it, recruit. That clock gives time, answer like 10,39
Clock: 2,35
